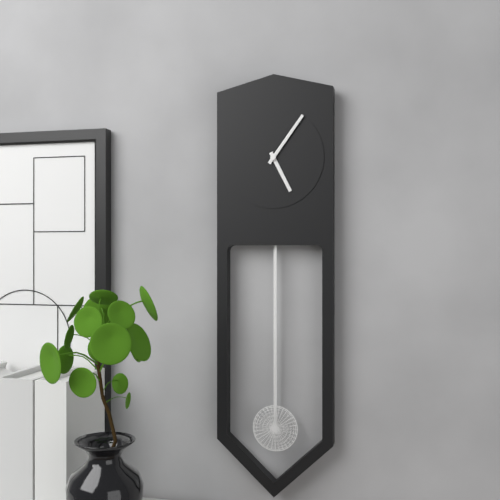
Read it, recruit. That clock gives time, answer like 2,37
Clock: 5,06
